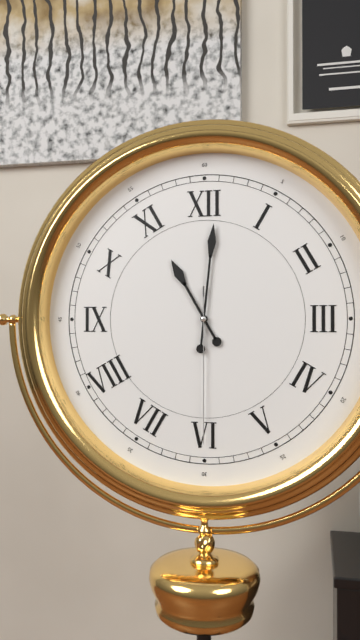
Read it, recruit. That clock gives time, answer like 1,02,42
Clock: 11,01,30
